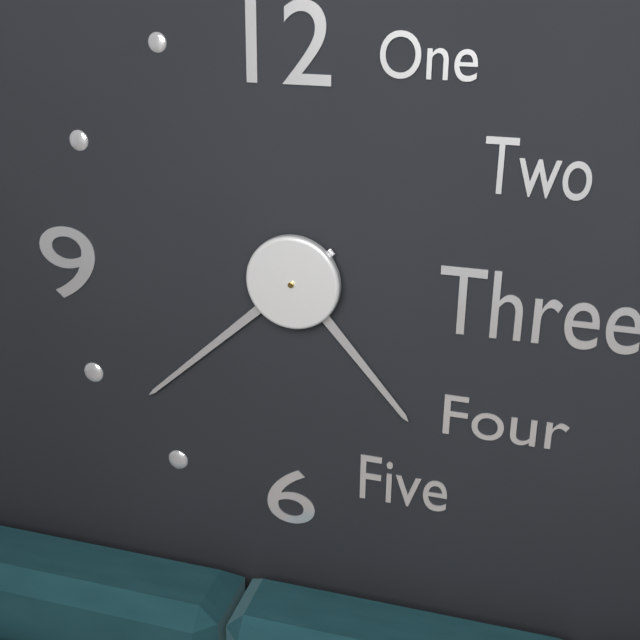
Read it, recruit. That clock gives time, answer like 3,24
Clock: 4,38
